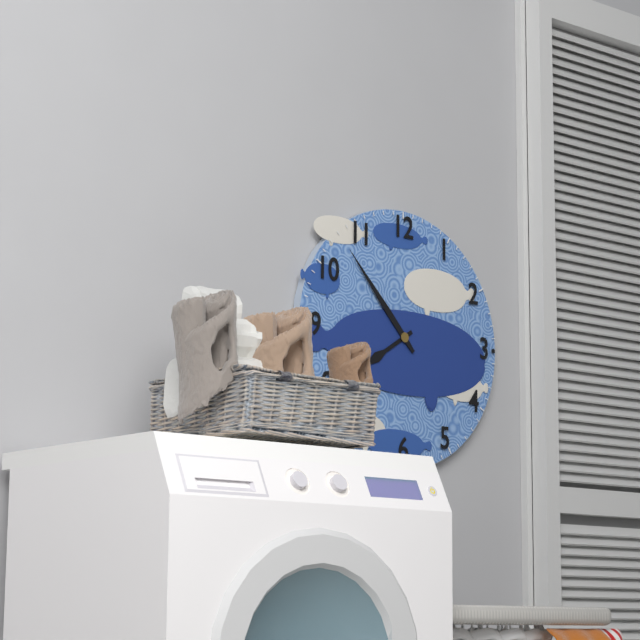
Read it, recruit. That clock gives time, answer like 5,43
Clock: 7,53
